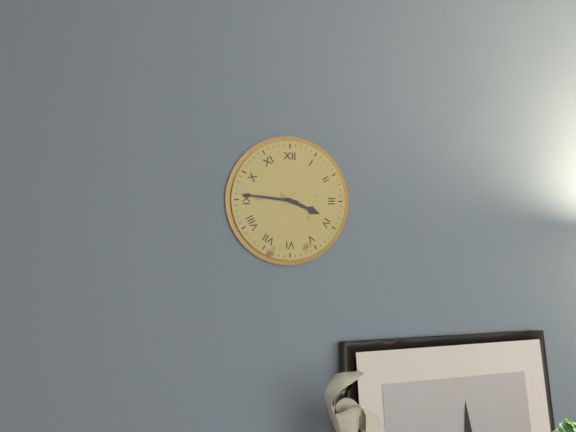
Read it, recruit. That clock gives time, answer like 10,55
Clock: 3,46
